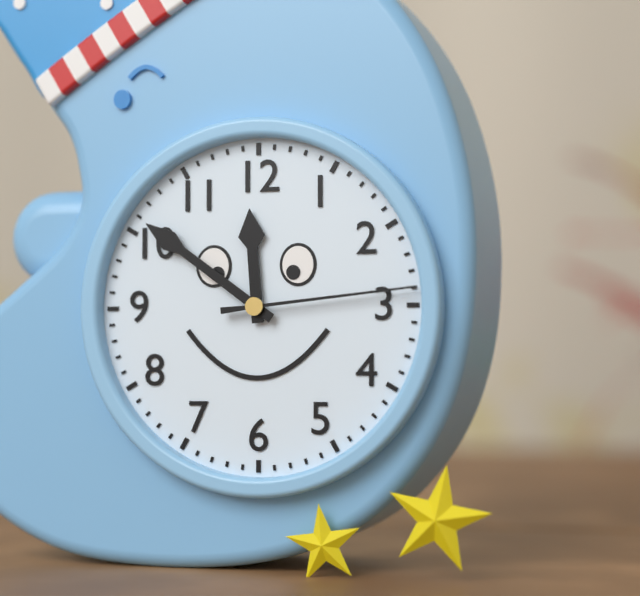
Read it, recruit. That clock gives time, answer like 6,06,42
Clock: 11,51,14
